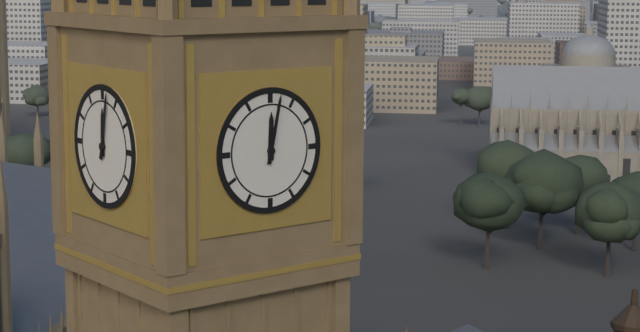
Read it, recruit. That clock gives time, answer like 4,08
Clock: 12,02
